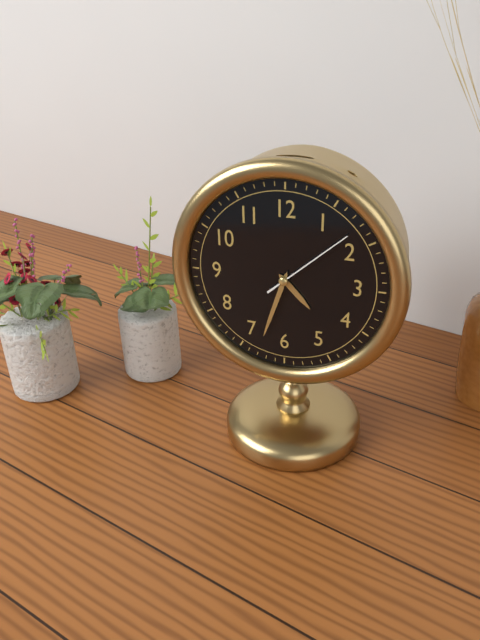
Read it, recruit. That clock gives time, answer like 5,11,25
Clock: 4,33,08
